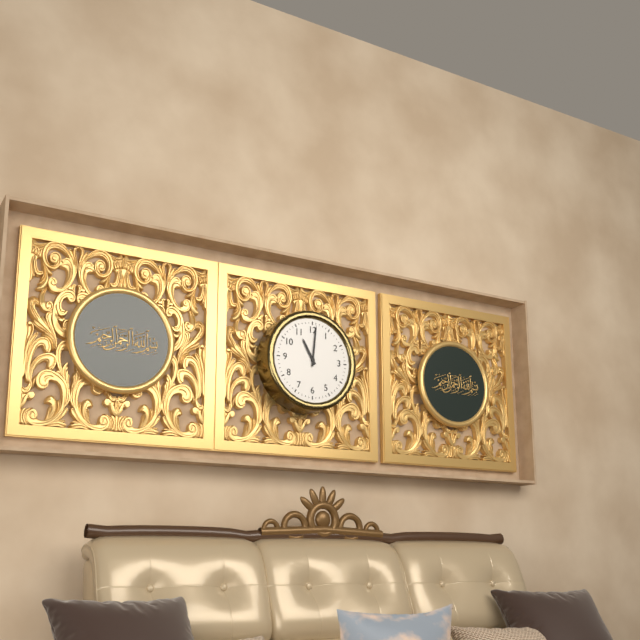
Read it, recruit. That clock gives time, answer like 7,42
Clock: 11,01
